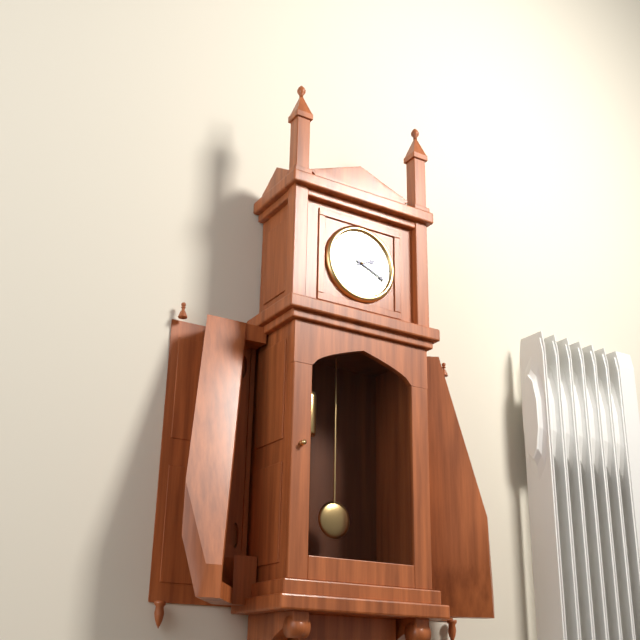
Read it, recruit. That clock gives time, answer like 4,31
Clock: 2,19
